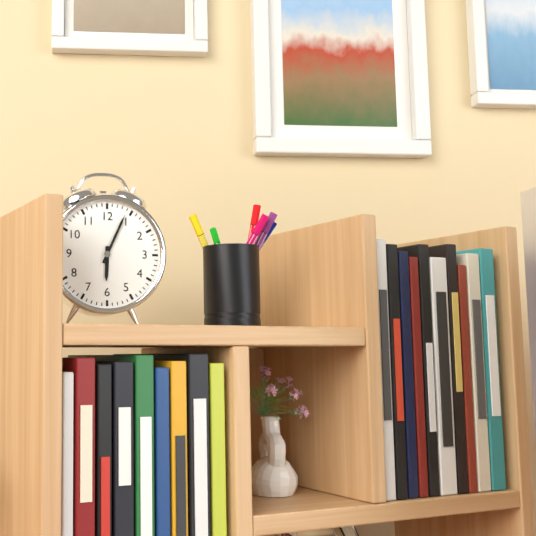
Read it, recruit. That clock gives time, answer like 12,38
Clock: 6,04
